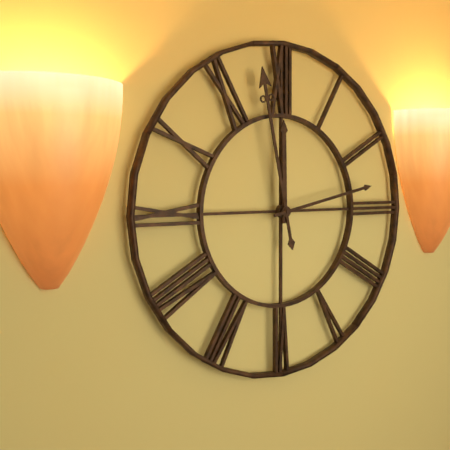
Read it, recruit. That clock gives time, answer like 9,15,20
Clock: 11,58,13
